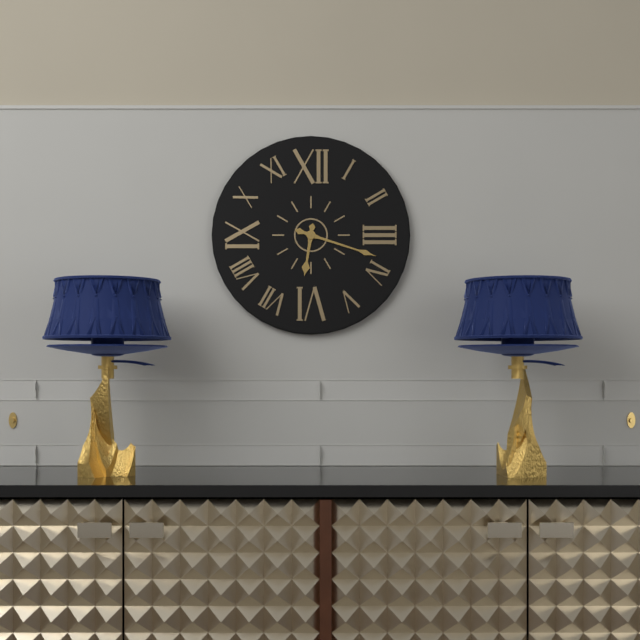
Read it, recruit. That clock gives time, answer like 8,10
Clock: 6,18
